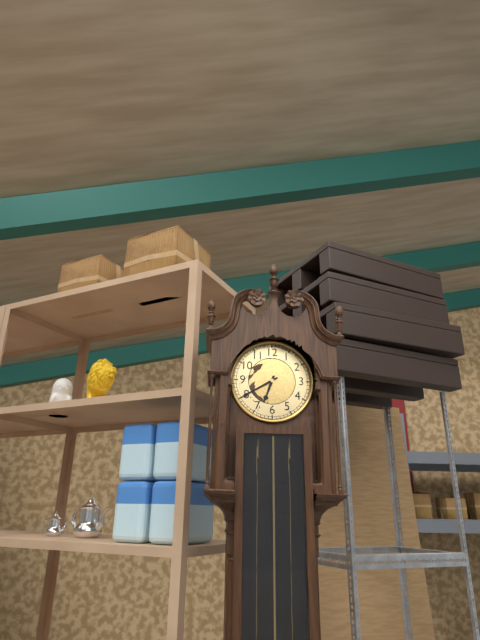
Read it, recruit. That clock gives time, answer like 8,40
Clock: 6,40
